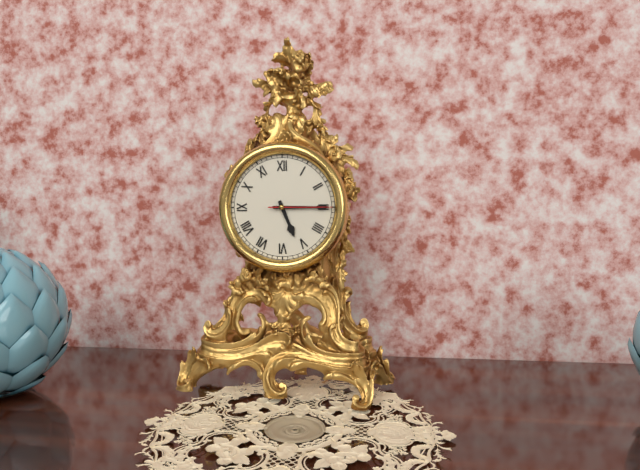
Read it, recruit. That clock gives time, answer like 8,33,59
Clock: 5,15,15
